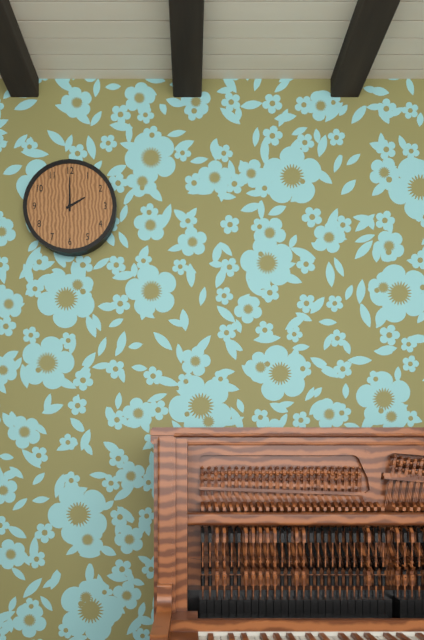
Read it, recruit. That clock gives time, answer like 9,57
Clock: 2,00
